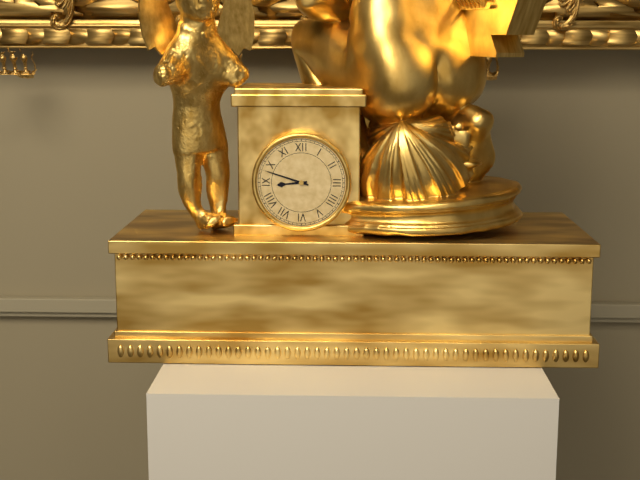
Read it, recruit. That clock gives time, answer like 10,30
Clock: 8,48
